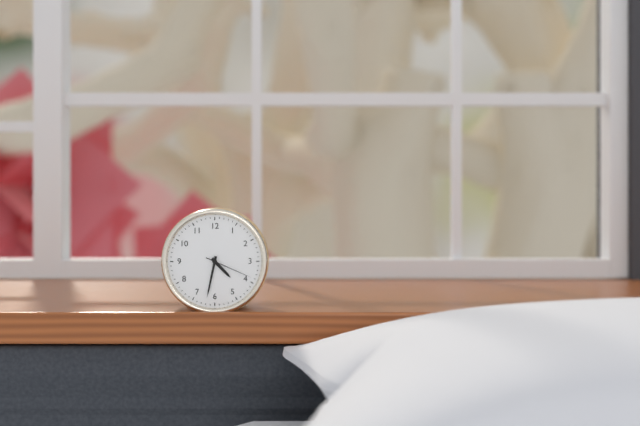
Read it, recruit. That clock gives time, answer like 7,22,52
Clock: 4,32,19
